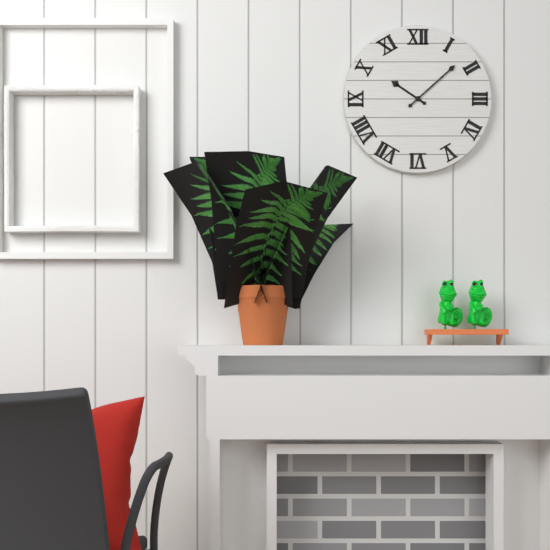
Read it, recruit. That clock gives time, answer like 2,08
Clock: 10,08
